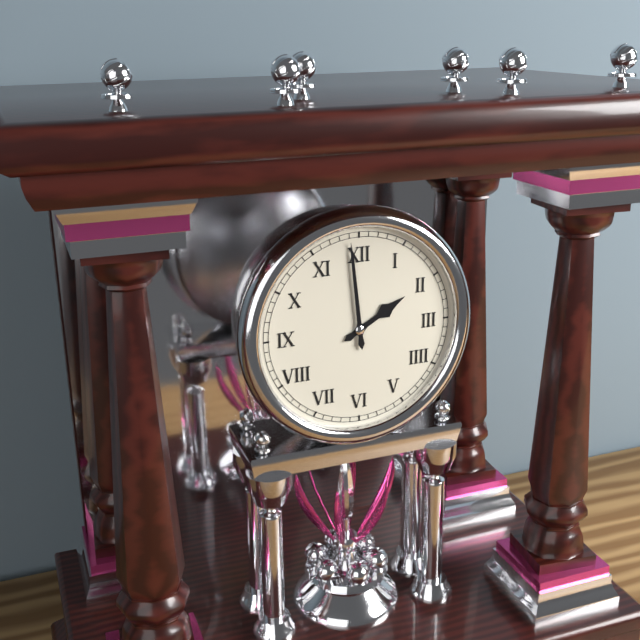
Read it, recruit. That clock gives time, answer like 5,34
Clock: 1,59
